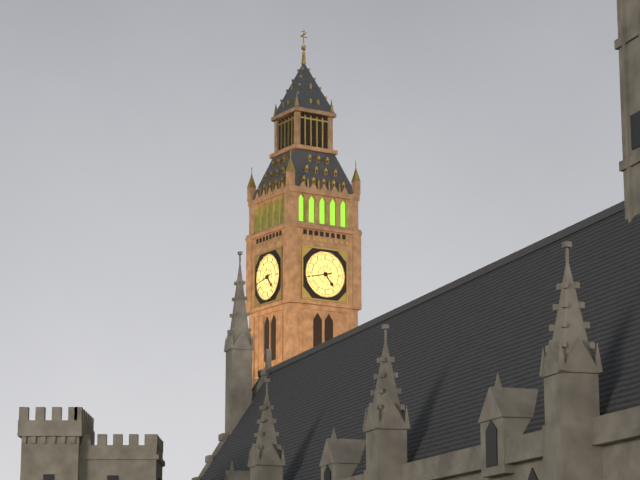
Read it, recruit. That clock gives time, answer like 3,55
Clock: 4,43
